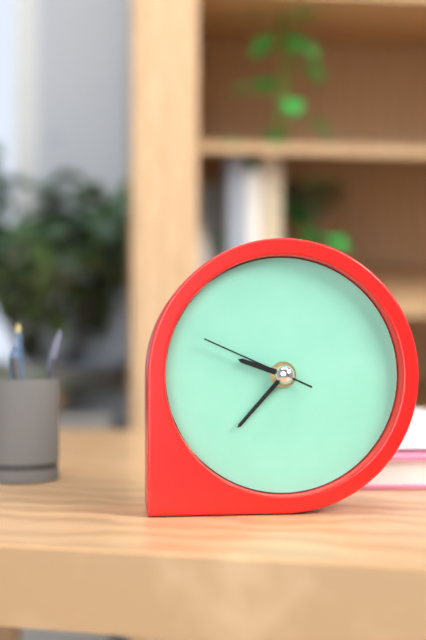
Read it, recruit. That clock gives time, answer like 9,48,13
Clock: 9,37,49
